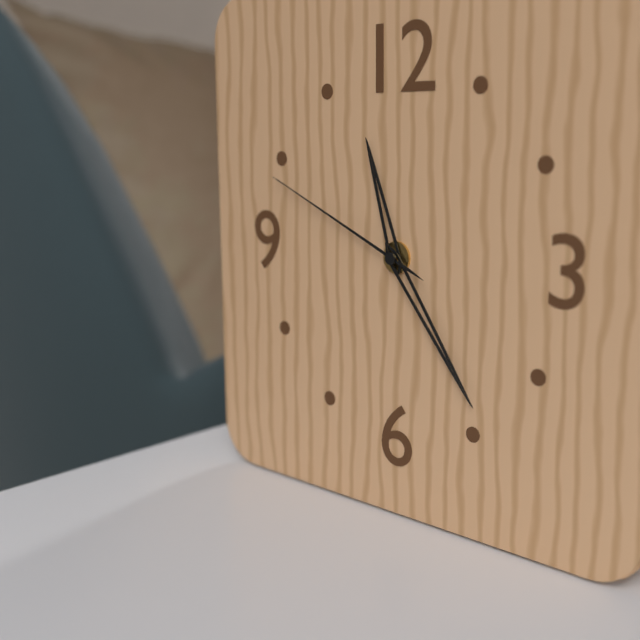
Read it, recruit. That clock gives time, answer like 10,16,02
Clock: 11,24,49
